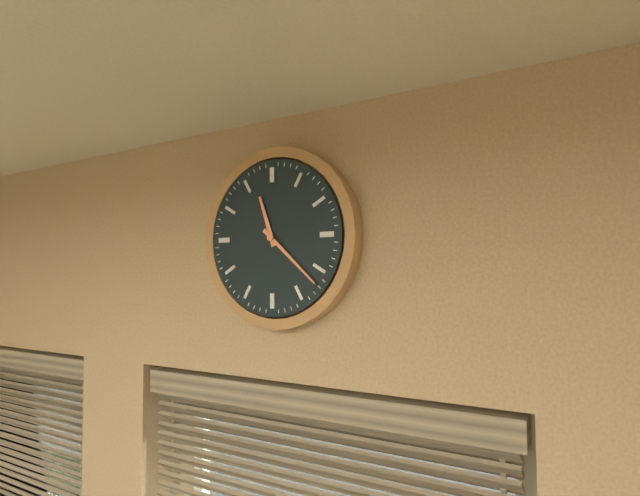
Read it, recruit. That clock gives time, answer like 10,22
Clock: 11,22
